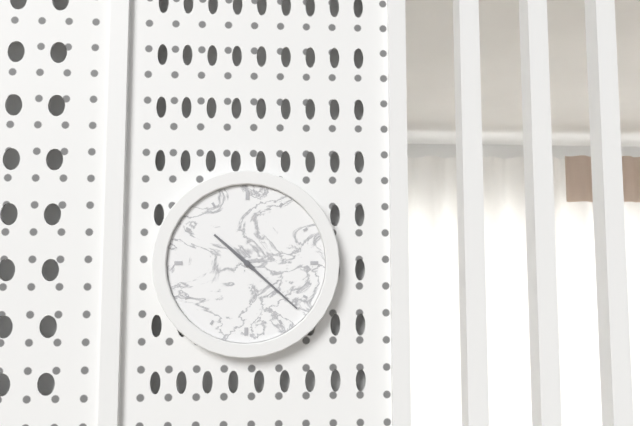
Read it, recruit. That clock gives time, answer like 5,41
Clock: 10,22
